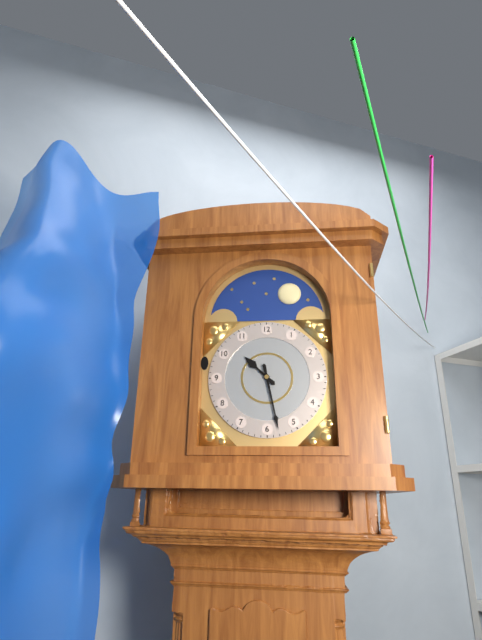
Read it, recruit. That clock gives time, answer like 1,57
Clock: 10,28
